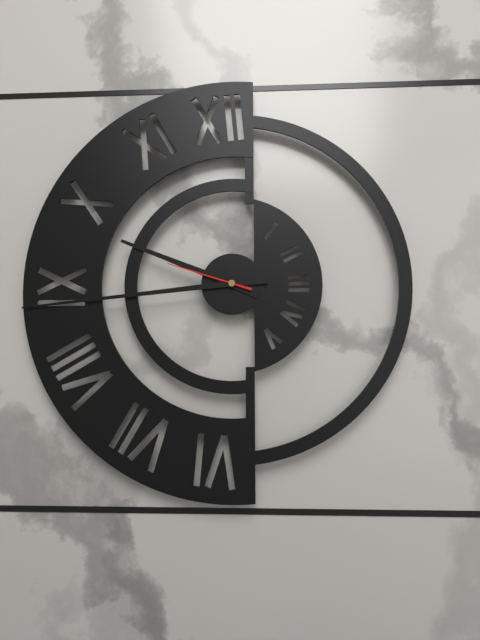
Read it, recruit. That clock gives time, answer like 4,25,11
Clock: 9,44,48
